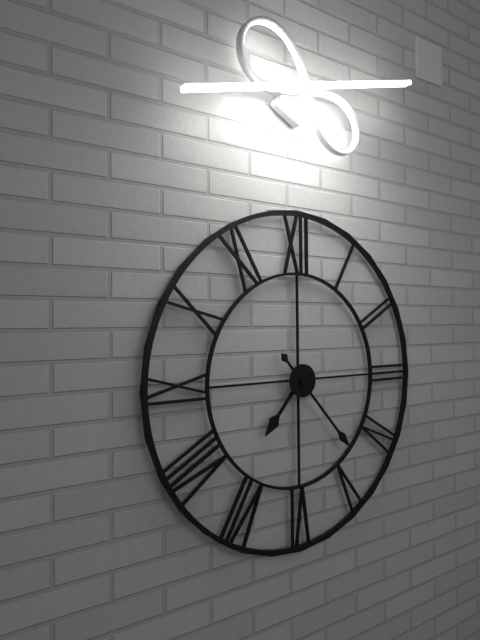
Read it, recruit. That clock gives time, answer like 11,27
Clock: 7,23
